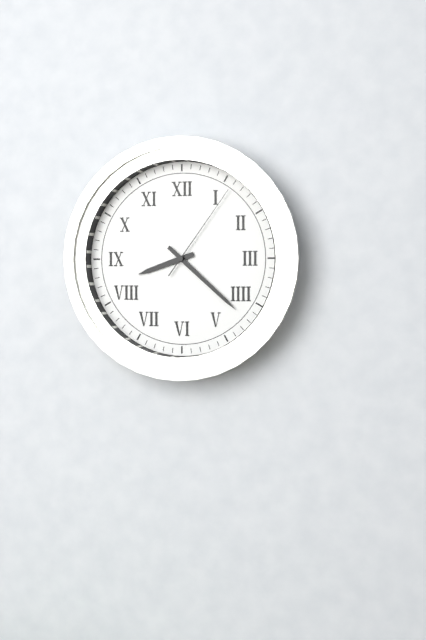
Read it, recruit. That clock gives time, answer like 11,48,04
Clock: 8,22,06
